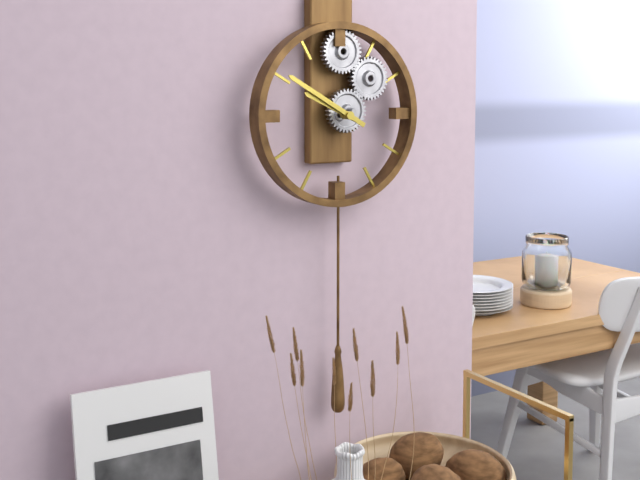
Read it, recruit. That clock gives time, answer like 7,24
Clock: 9,50
